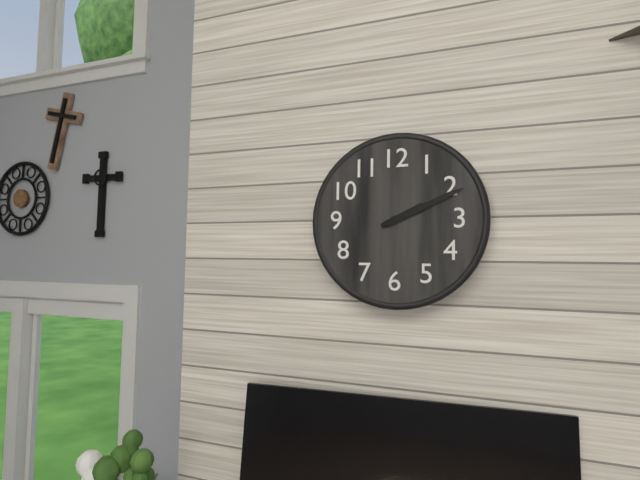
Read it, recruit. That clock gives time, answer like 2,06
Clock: 2,11
